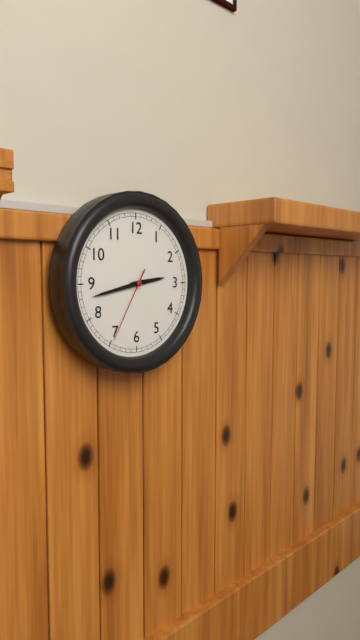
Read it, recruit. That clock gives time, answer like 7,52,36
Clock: 2,43,35
